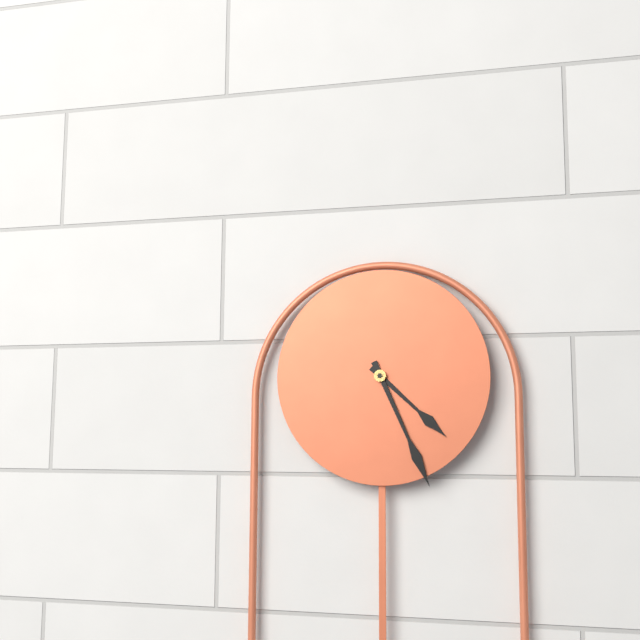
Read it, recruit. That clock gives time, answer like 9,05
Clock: 4,26
